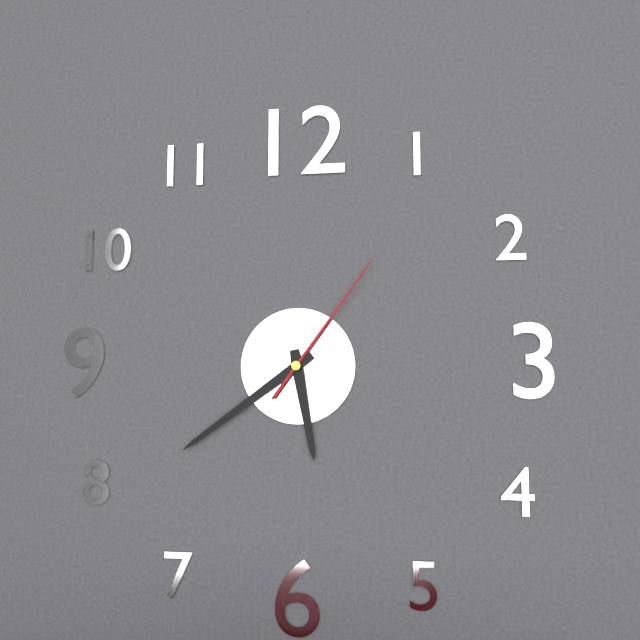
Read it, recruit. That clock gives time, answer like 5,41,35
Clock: 5,39,06
